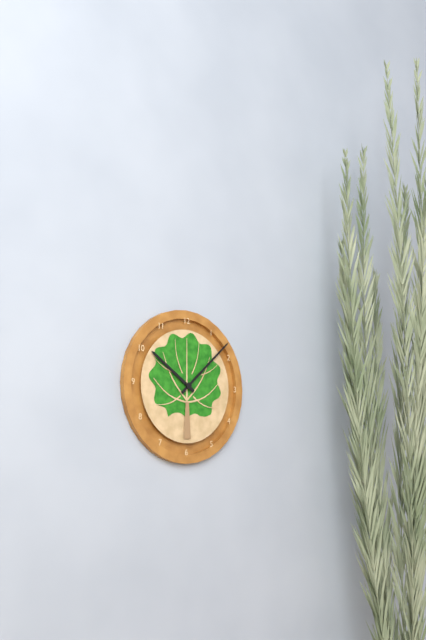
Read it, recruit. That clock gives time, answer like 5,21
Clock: 10,08
